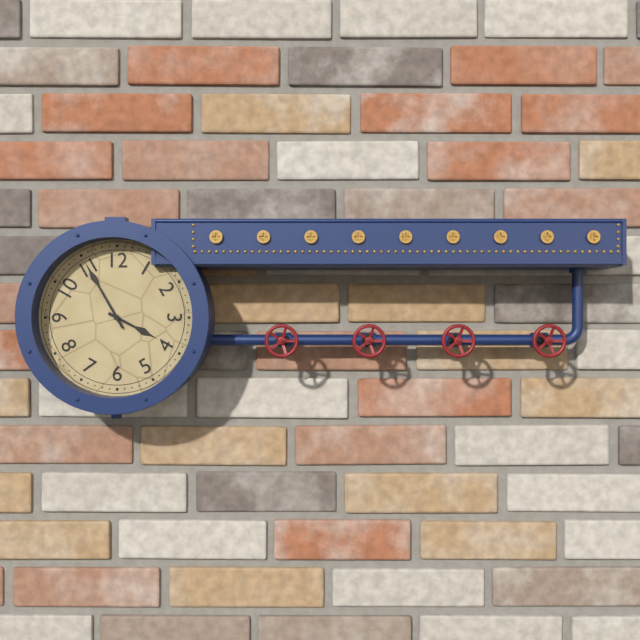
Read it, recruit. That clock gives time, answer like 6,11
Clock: 3,55
